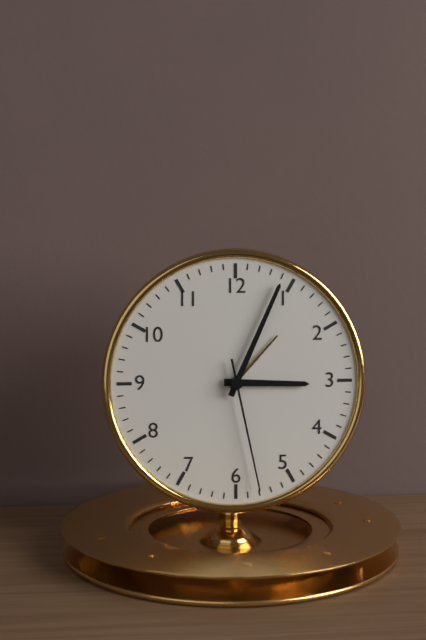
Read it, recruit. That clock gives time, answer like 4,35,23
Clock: 3,04,28
